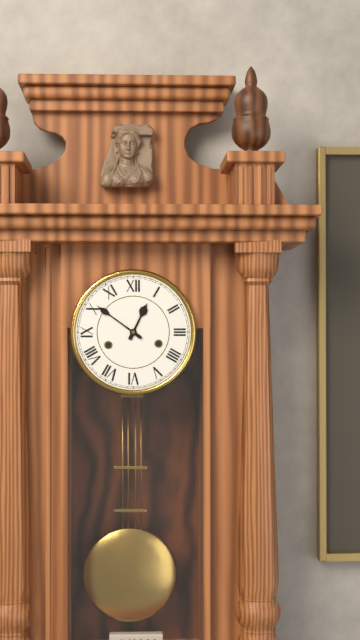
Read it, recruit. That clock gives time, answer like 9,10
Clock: 12,51
